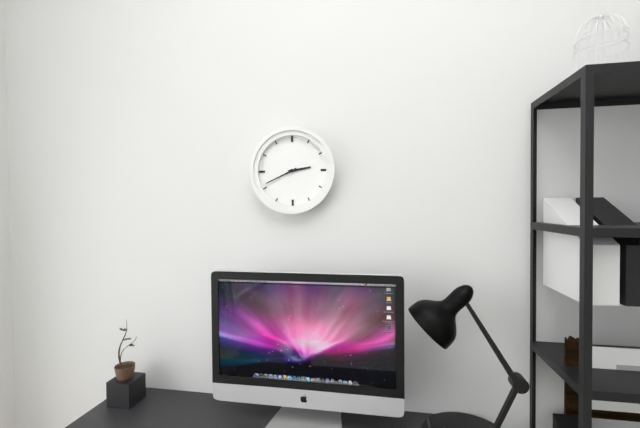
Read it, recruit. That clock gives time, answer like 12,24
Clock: 2,41
